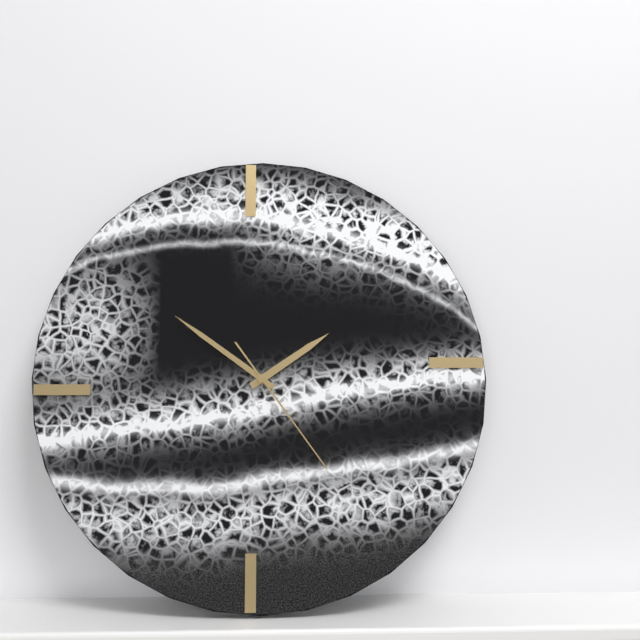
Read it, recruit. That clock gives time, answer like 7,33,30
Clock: 1,51,24
